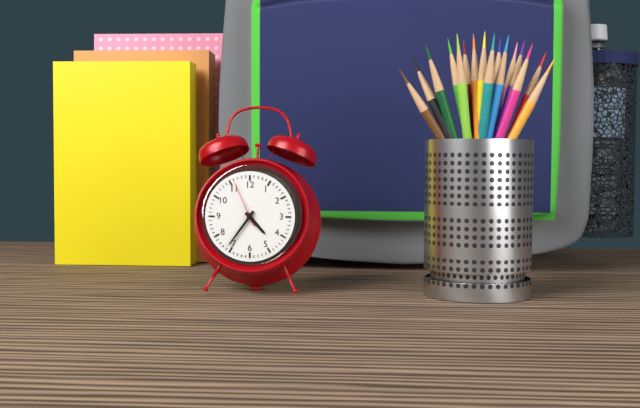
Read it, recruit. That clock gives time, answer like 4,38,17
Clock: 4,36,56
